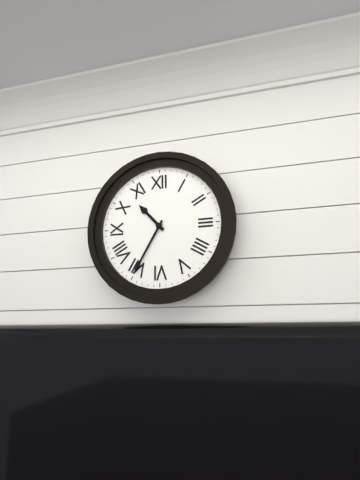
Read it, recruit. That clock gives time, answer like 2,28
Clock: 10,35
